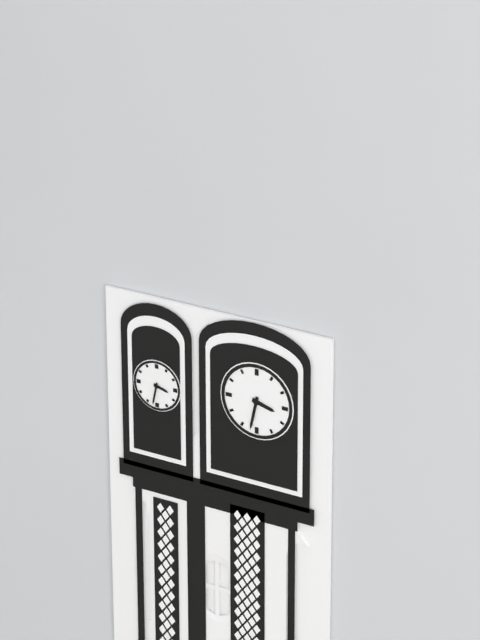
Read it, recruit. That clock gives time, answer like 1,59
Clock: 3,32
